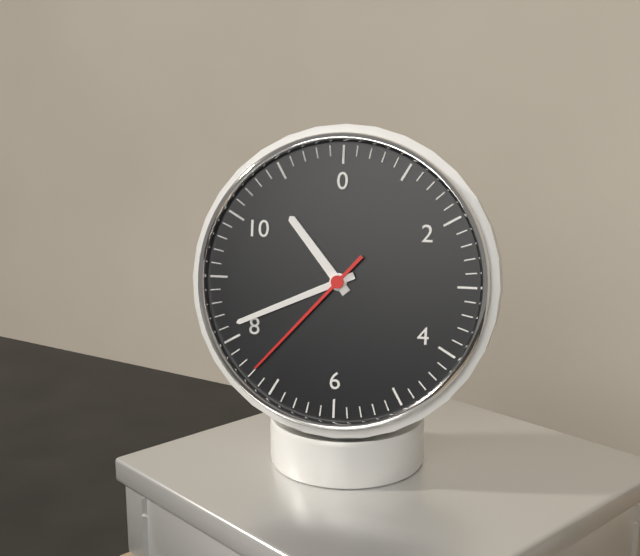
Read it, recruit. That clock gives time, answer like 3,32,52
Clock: 10,41,37
